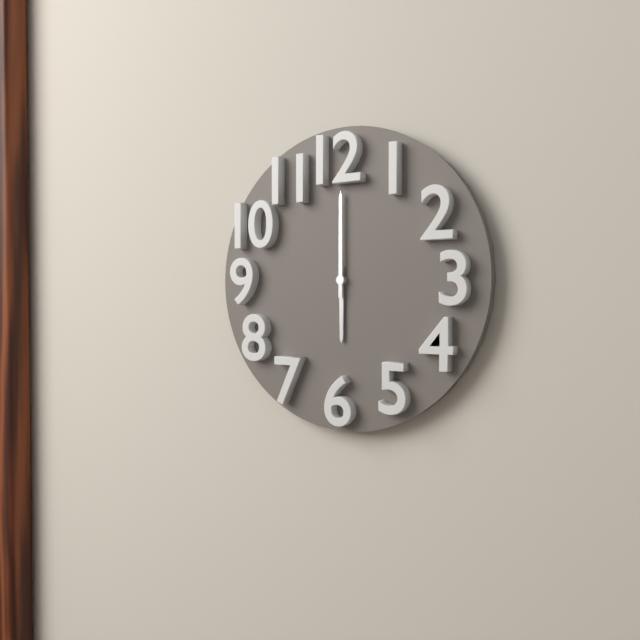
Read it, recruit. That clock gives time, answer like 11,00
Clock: 6,00
